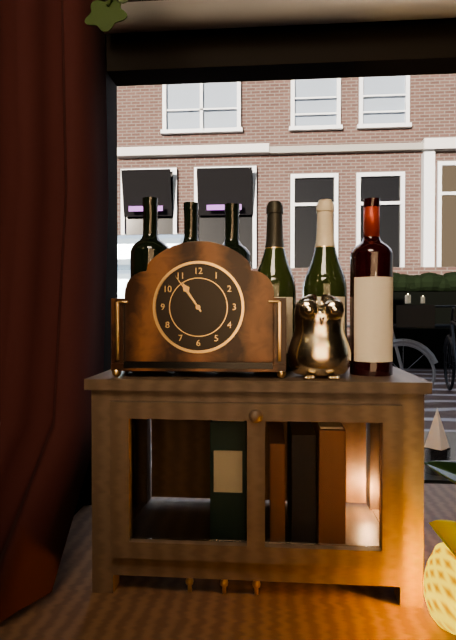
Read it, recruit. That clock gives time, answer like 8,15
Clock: 10,54
